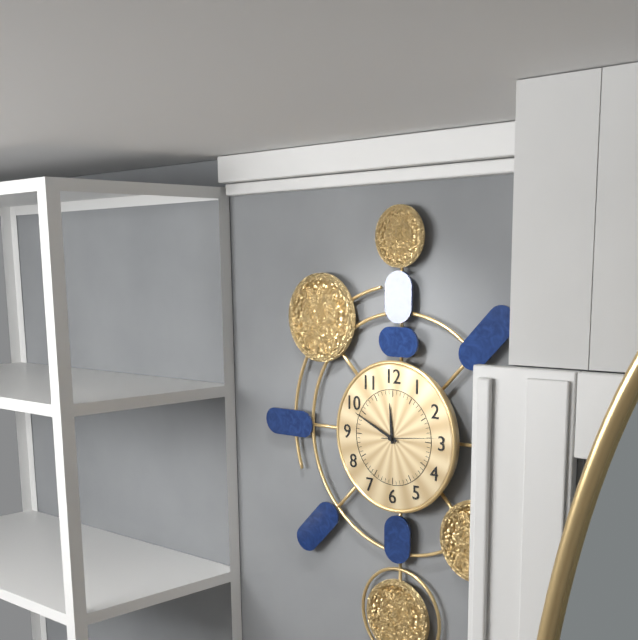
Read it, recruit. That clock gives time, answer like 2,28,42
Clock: 11,49,14
